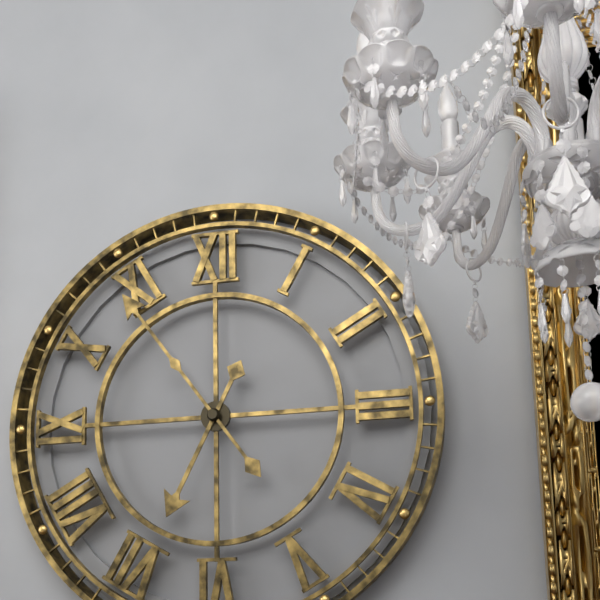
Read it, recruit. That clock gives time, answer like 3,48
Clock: 6,54
